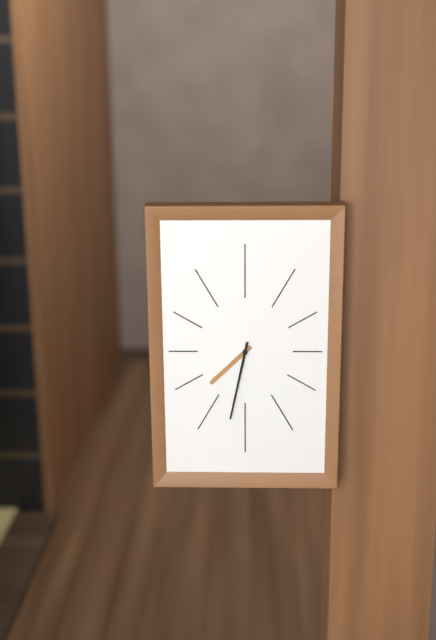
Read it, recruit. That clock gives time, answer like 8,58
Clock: 7,32
